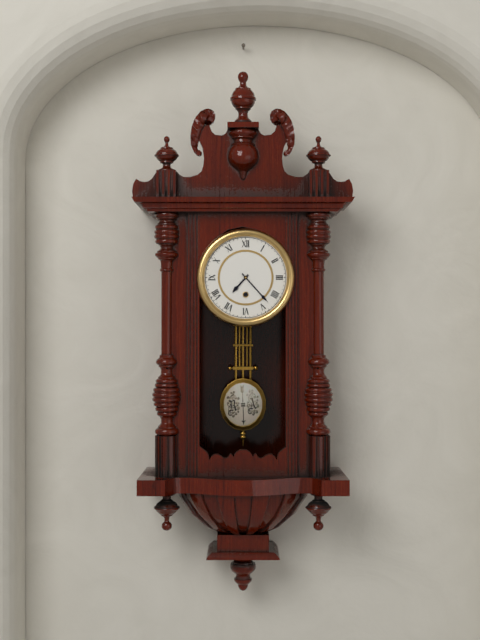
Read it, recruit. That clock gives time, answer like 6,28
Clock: 7,23
